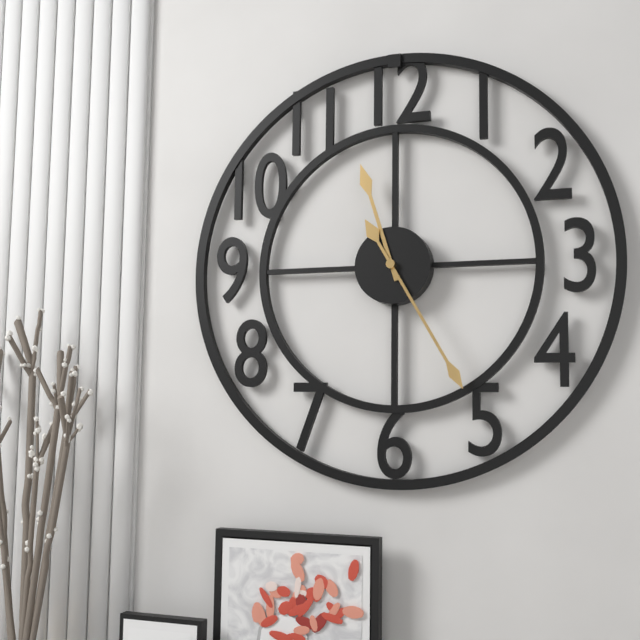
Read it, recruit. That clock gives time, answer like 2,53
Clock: 11,25
